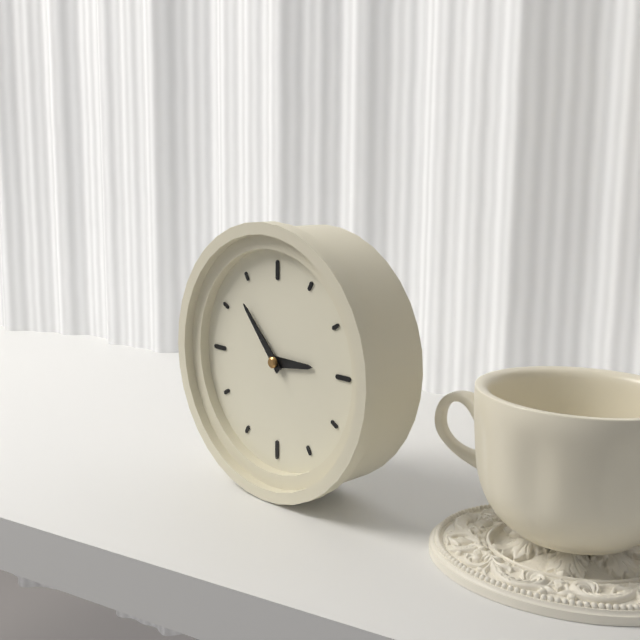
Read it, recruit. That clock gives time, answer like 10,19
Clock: 2,53
